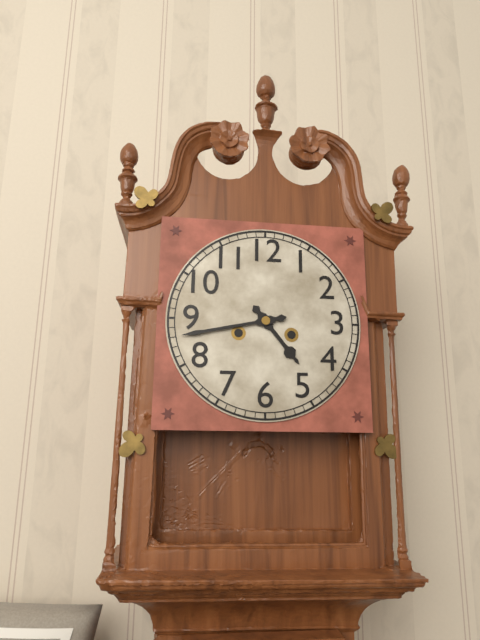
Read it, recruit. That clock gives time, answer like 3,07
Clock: 4,43
